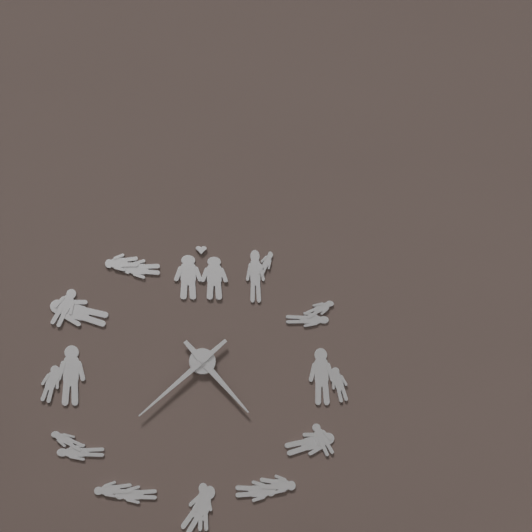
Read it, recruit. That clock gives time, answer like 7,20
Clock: 4,38
